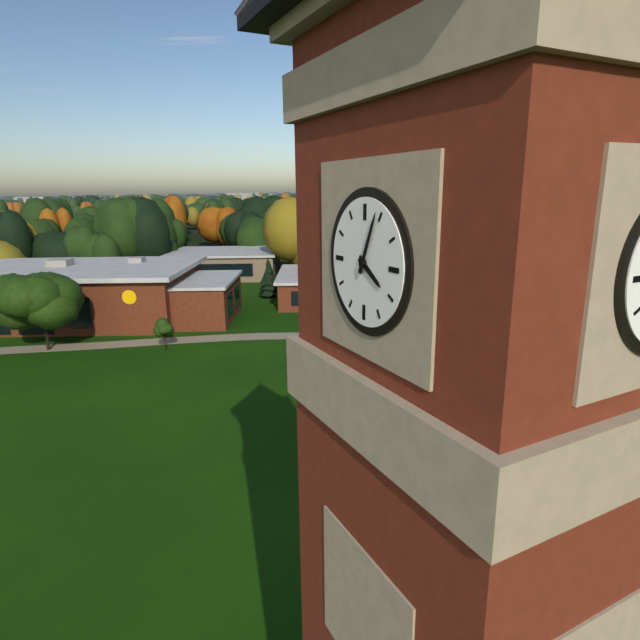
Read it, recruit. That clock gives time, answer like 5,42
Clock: 4,04
